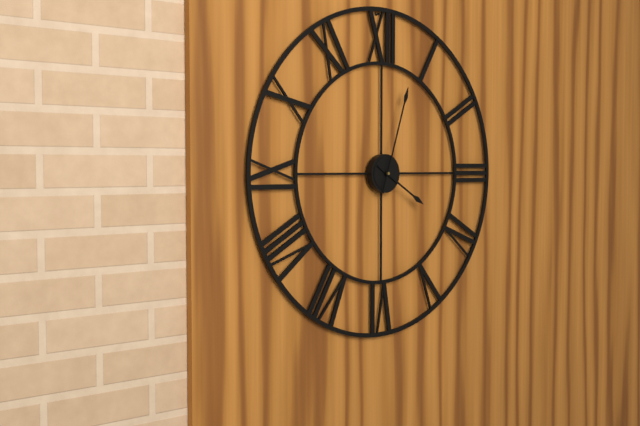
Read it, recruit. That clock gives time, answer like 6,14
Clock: 4,03
